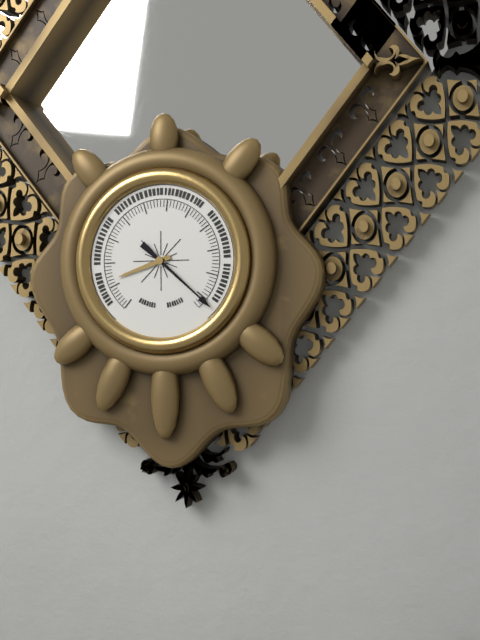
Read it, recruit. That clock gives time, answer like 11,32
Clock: 8,22
